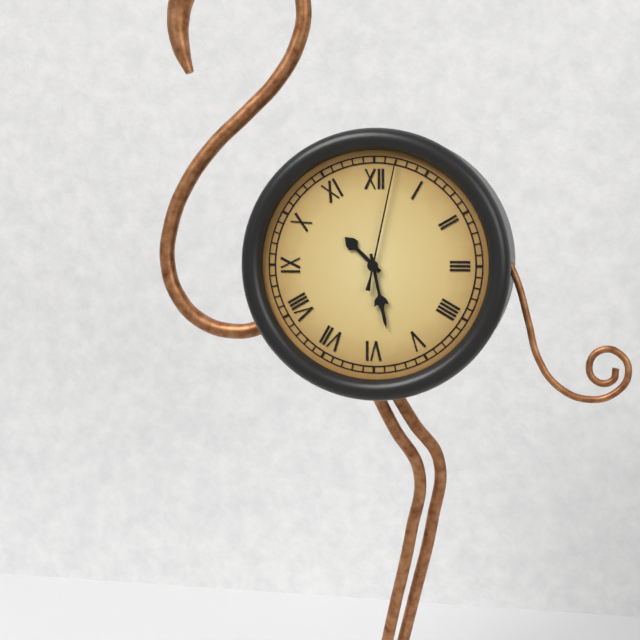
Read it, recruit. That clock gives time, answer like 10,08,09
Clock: 10,28,02
